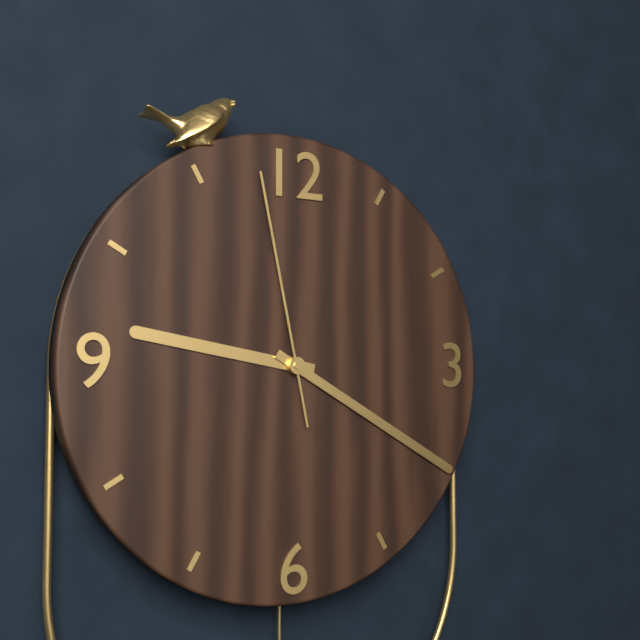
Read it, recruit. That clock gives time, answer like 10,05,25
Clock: 9,20,58
